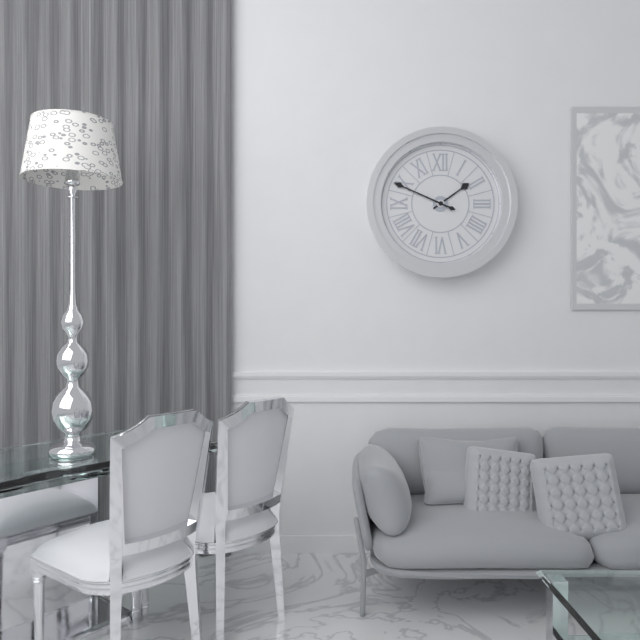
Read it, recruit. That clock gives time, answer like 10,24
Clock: 1,49
